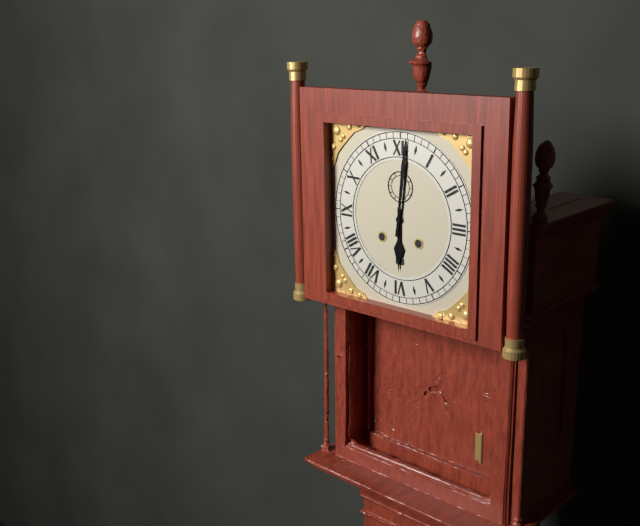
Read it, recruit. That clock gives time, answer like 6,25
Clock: 6,01
